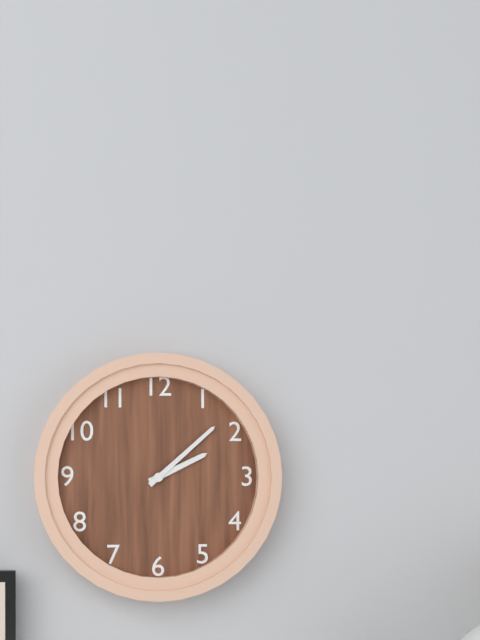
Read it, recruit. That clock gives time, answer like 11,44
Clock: 2,08
